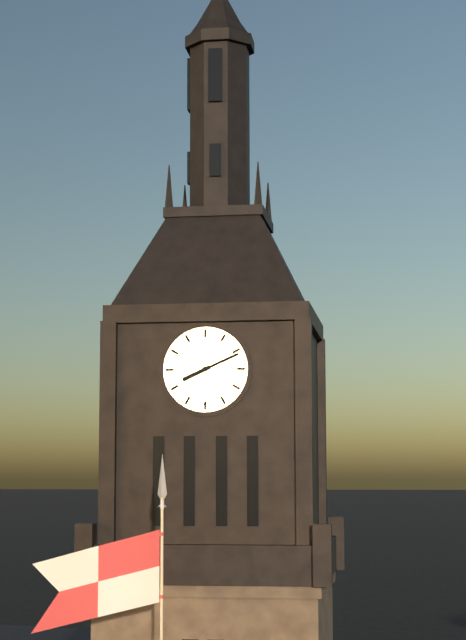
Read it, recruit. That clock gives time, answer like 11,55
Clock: 8,11
